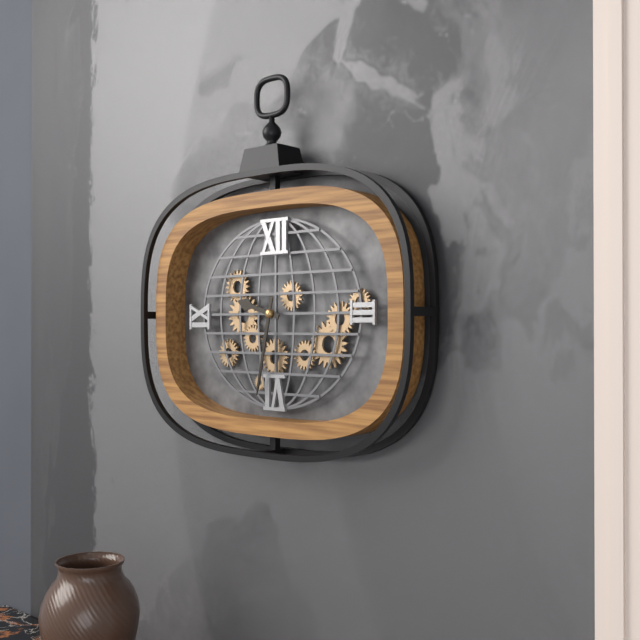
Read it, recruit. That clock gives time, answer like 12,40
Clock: 9,32
